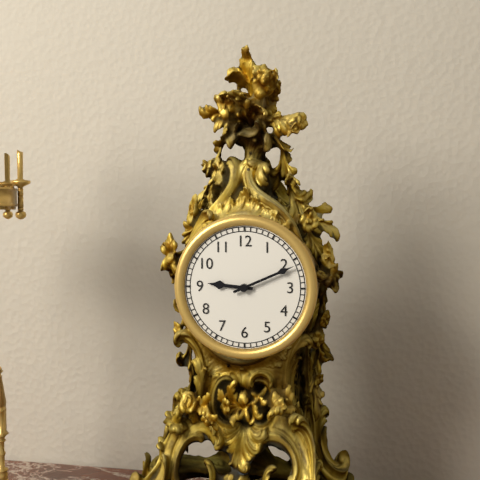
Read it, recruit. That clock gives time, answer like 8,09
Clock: 9,11
